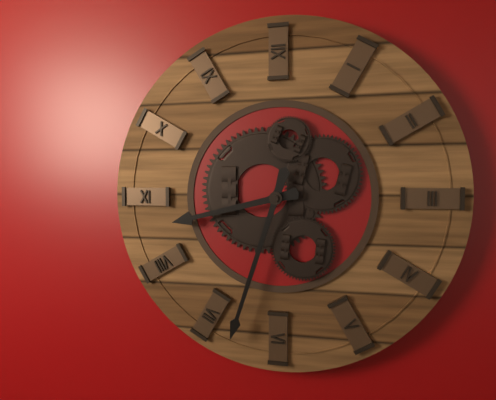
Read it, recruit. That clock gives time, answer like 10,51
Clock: 8,33
